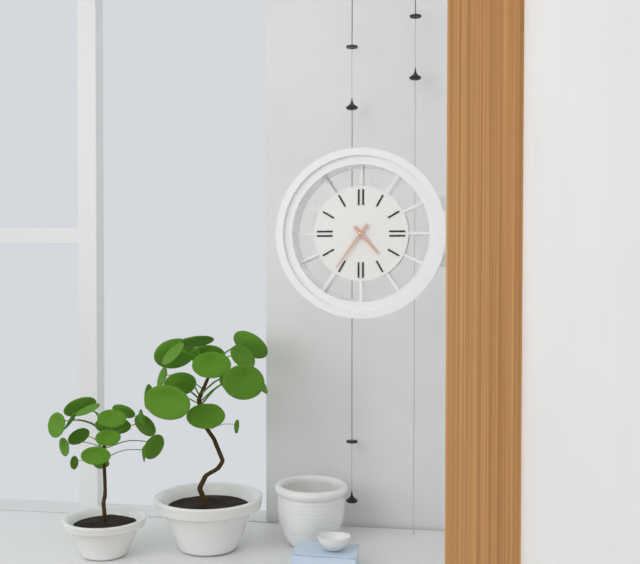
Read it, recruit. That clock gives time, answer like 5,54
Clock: 4,36
